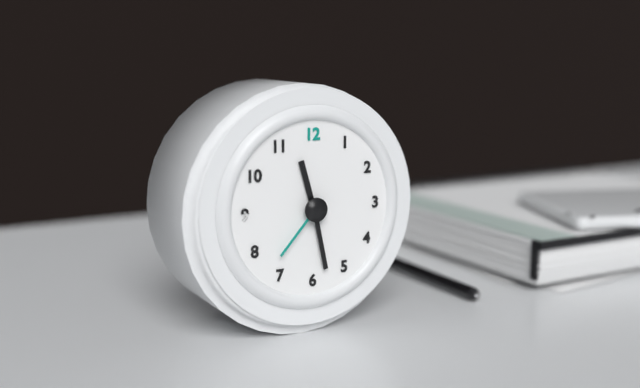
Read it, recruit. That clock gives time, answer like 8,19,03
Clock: 11,28,37
